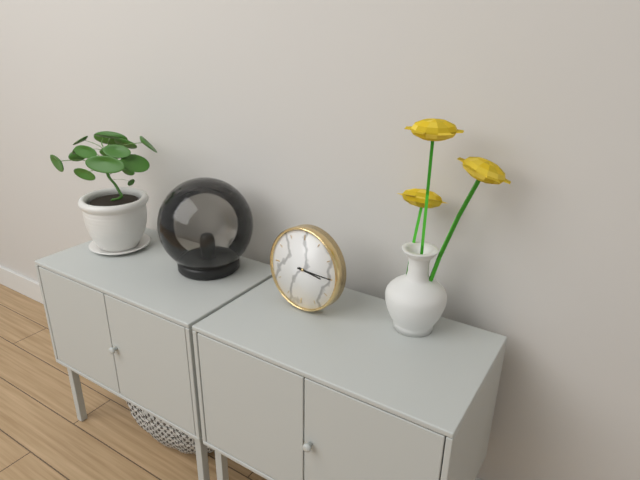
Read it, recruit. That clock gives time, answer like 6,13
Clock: 3,15
